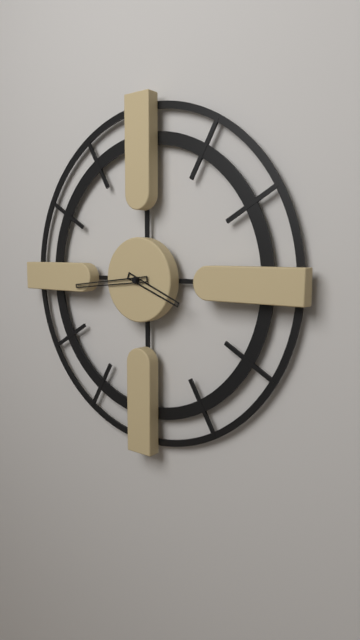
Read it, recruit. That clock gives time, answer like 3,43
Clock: 3,44
